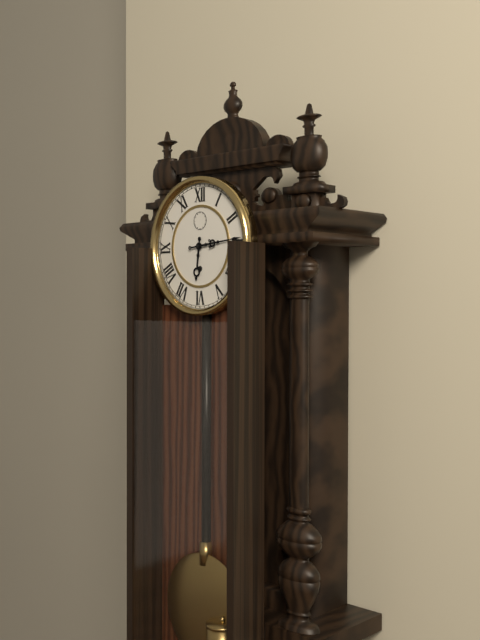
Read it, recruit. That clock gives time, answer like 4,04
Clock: 6,14
